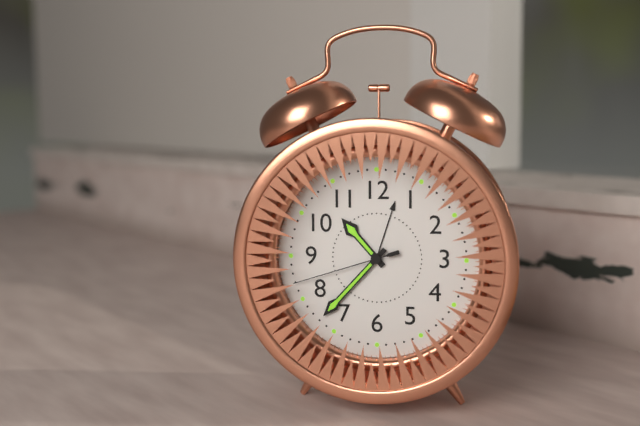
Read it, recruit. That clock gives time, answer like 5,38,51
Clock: 10,37,42
